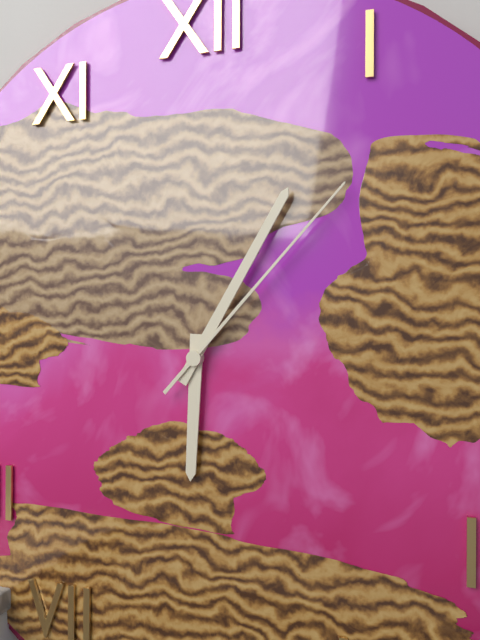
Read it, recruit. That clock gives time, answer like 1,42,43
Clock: 6,05,07
